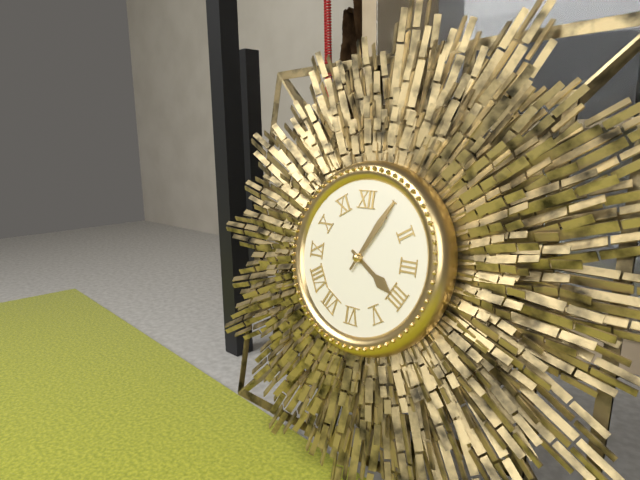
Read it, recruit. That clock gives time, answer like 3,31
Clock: 4,05
